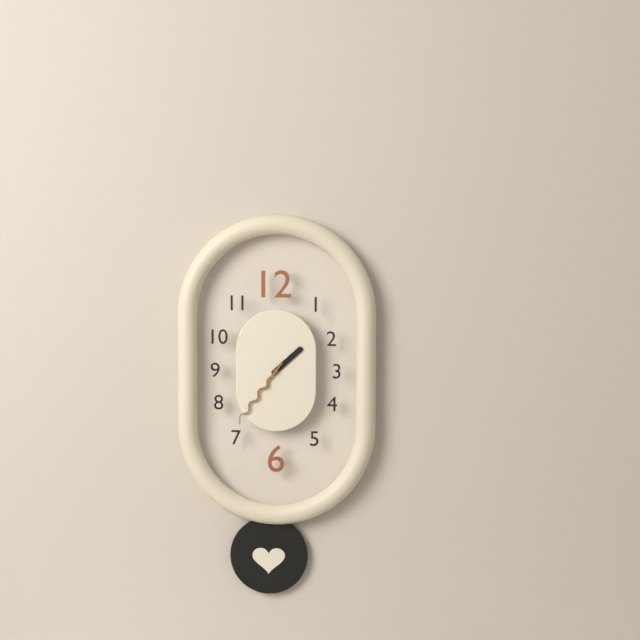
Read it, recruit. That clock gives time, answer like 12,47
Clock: 1,36
